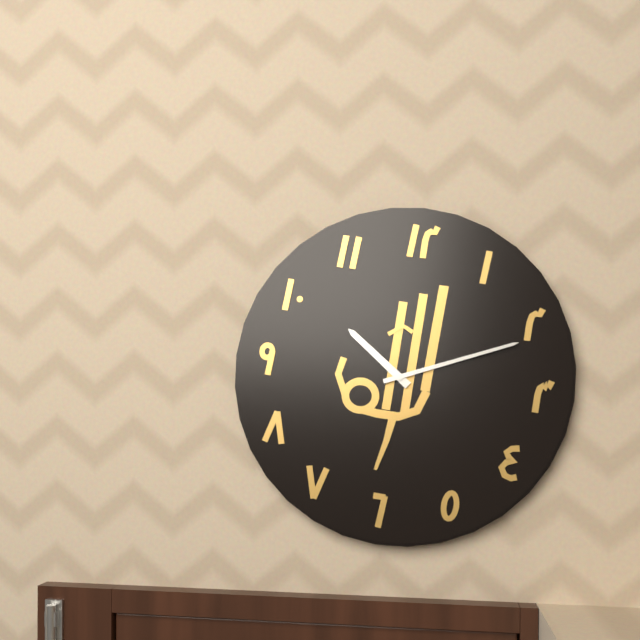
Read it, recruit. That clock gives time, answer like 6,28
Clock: 10,11
